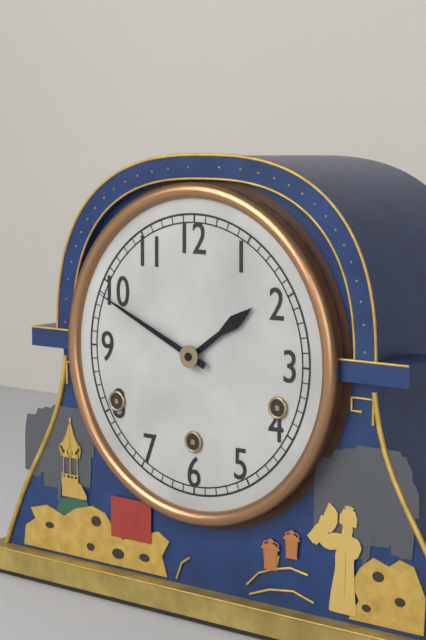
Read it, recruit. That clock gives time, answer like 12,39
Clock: 1,49
